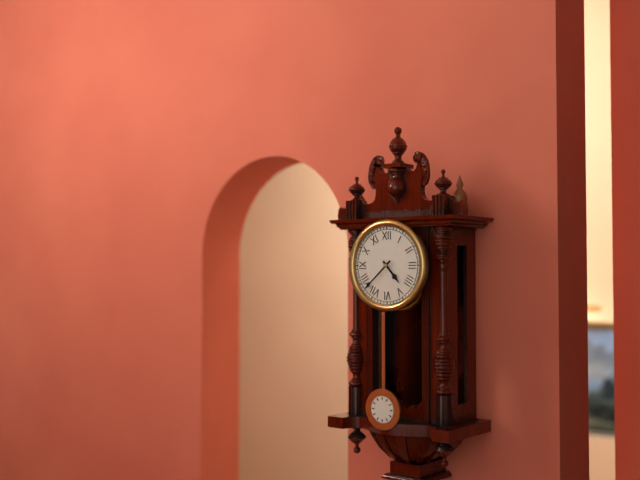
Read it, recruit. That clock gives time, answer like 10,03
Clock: 4,38
